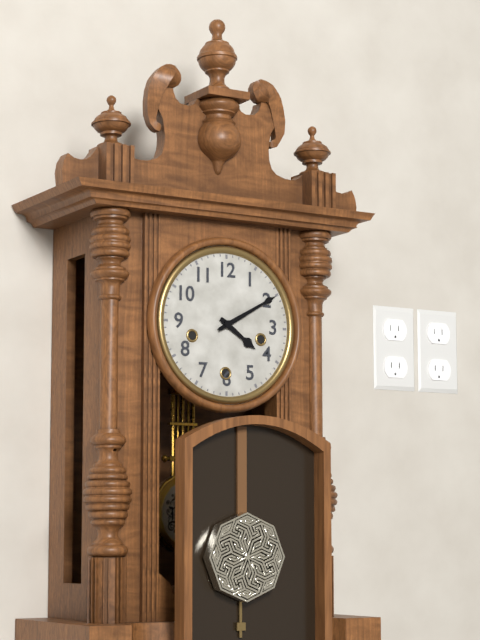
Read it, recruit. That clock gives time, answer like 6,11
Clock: 4,10
